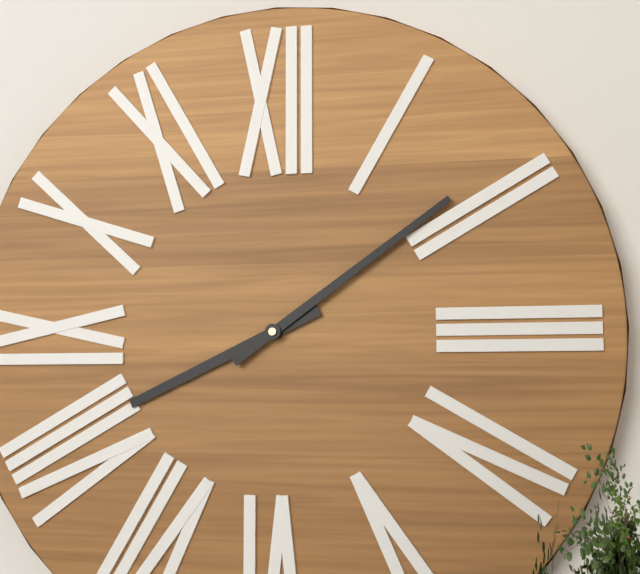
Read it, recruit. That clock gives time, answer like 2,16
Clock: 8,09
